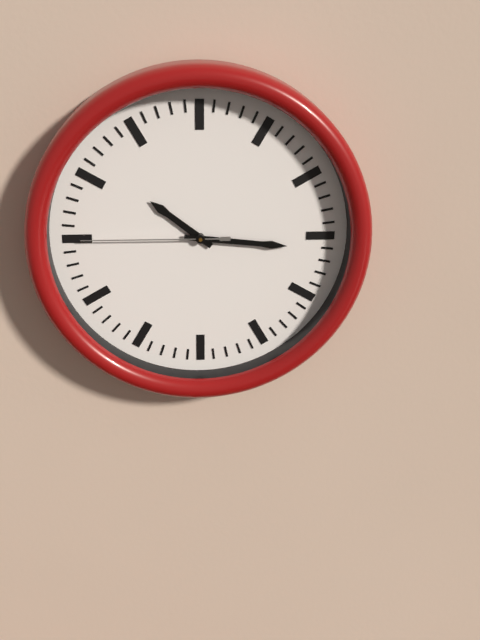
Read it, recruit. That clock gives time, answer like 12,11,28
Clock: 10,16,45
